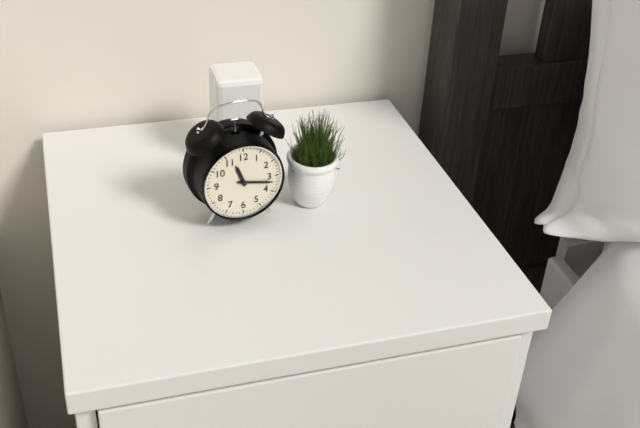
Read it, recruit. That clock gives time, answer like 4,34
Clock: 11,17
